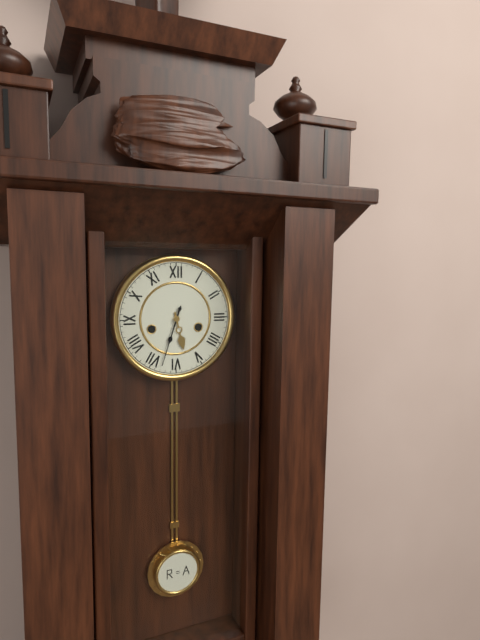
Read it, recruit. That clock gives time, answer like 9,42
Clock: 5,33
